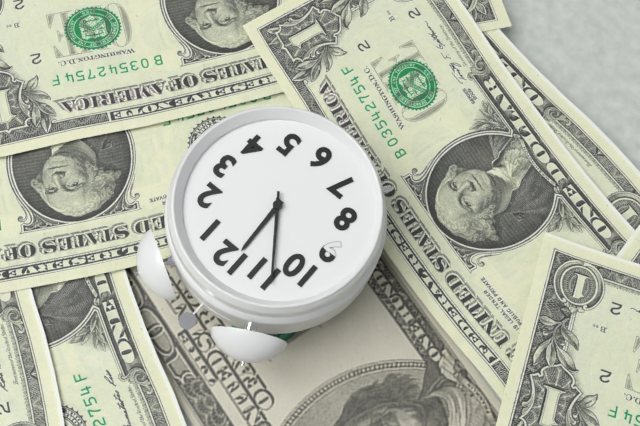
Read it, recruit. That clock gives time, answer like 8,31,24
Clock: 11,54,54
